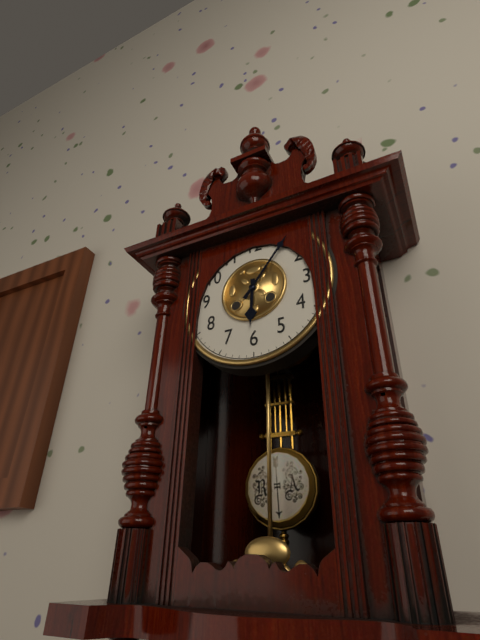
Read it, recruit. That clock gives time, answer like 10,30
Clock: 6,06
